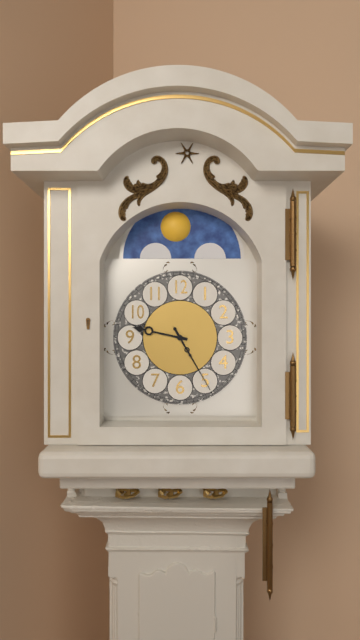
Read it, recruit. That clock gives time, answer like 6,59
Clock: 9,25
